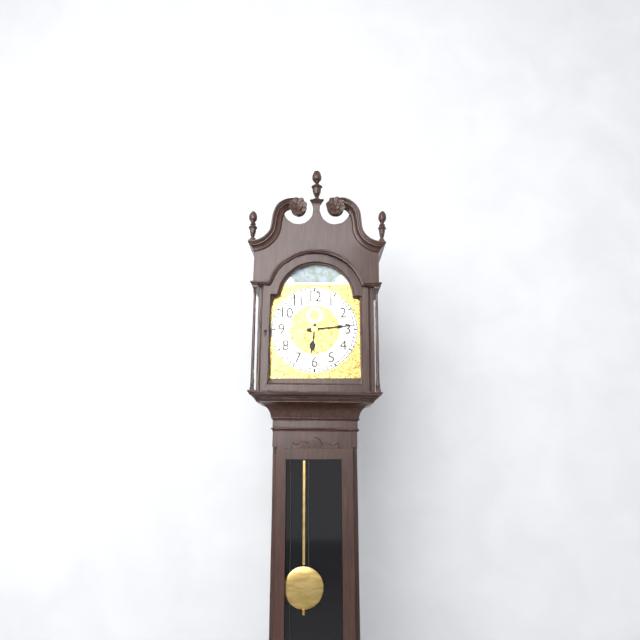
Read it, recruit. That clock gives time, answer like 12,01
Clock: 6,14
